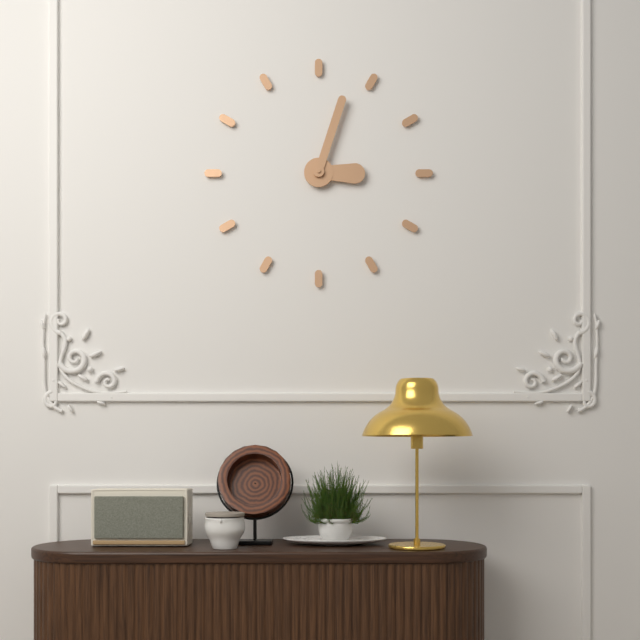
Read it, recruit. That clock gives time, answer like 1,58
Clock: 3,03
